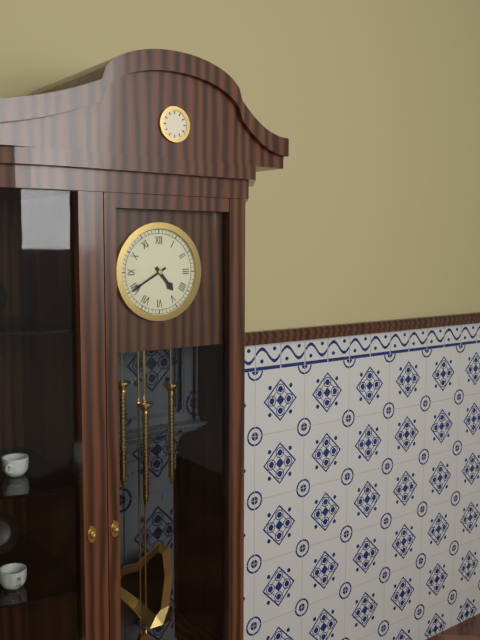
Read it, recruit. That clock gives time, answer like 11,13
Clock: 4,40
